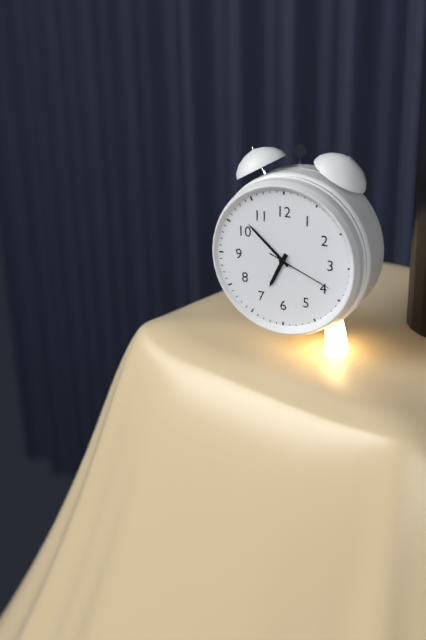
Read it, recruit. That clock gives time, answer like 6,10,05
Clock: 6,52,19
